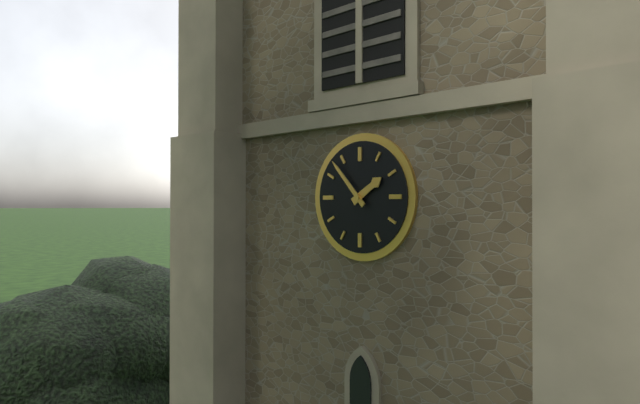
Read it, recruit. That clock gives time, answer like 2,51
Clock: 1,53
